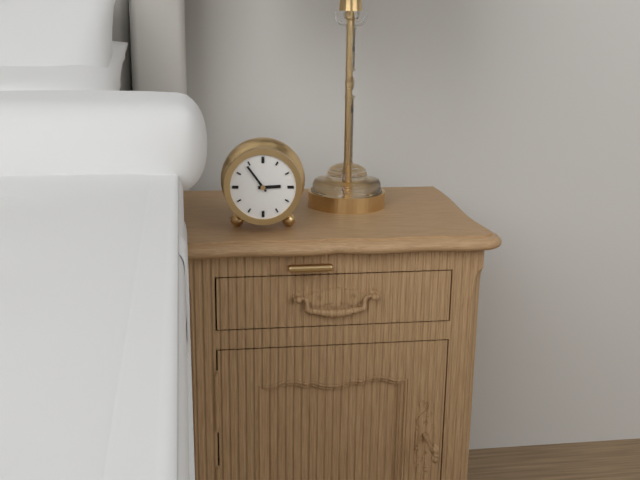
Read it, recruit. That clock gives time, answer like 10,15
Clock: 2,54
